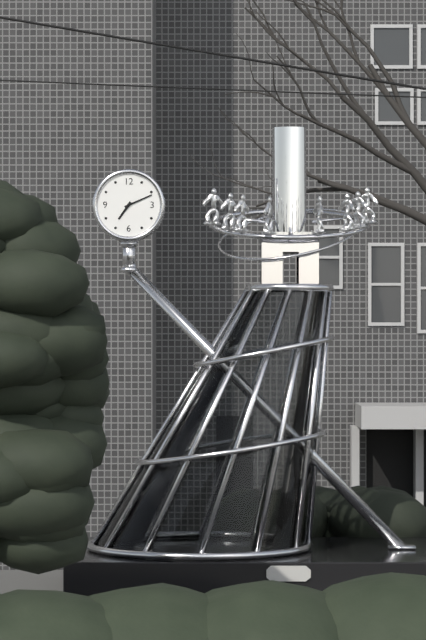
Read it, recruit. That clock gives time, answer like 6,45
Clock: 7,11
